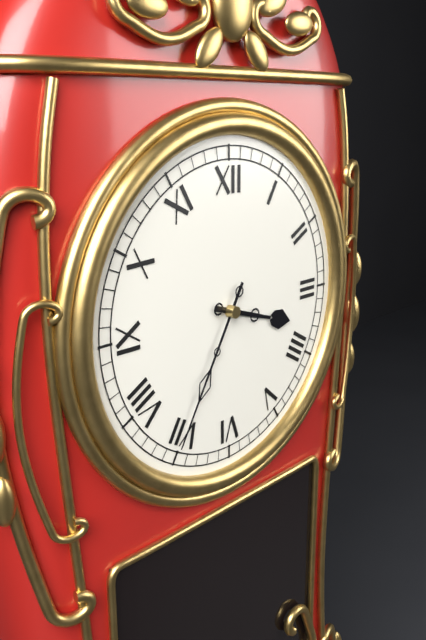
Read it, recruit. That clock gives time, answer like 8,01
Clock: 3,35
